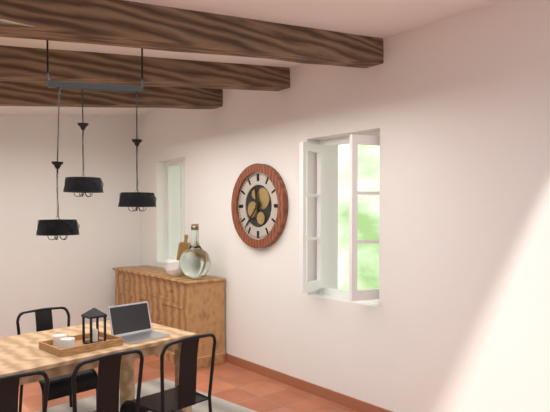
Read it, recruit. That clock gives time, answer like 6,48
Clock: 11,37
